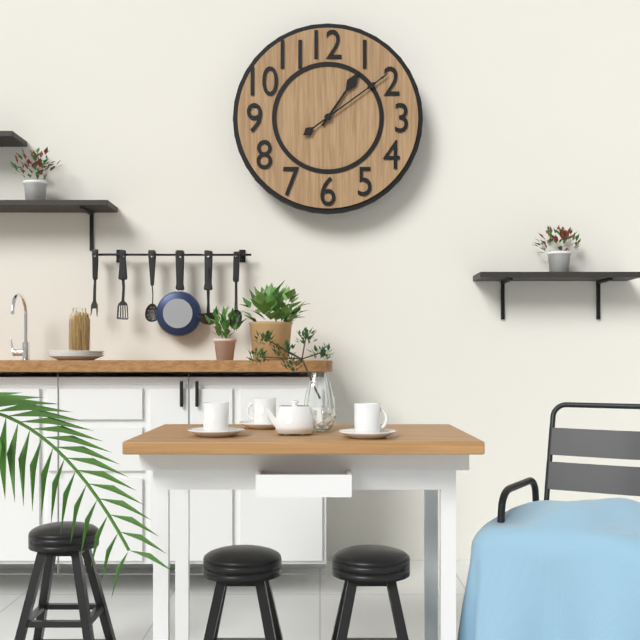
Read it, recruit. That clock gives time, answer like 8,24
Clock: 1,09
